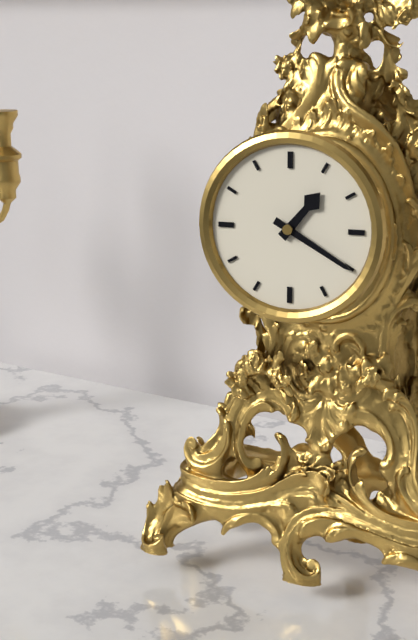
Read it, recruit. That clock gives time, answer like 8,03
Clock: 1,20
